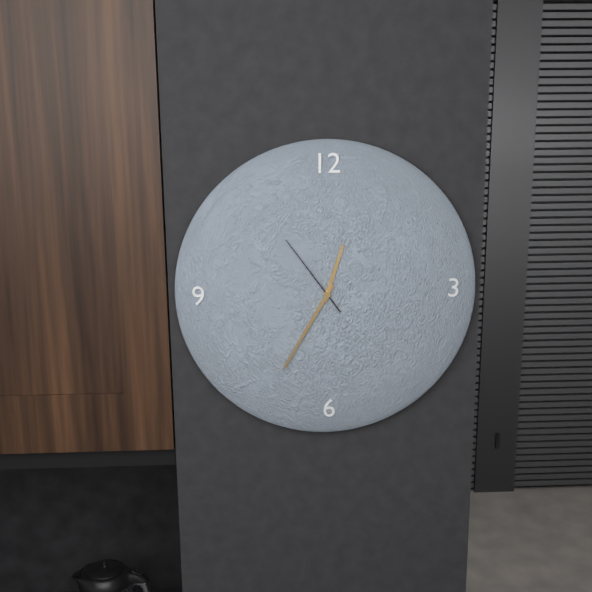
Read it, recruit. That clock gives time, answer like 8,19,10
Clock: 12,35,54
